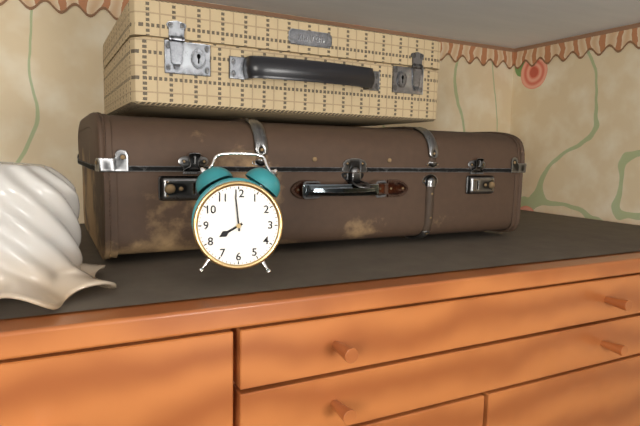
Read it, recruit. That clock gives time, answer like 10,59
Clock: 7,59
